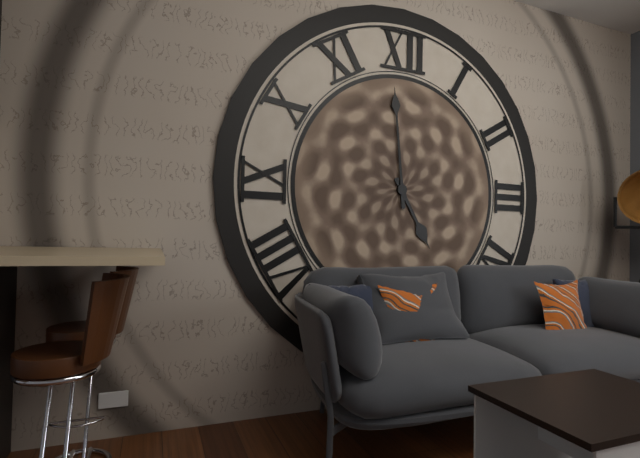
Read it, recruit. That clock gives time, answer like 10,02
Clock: 4,59
